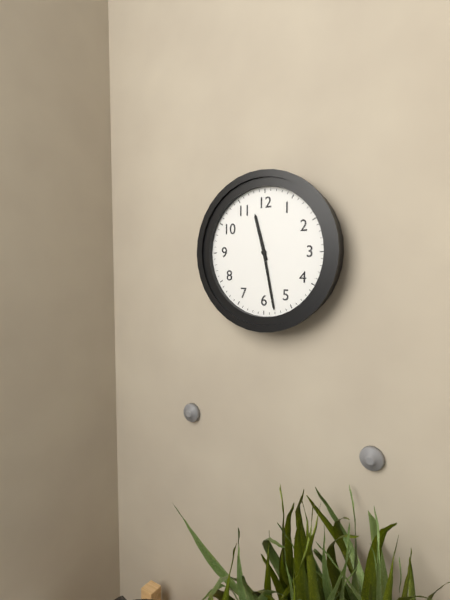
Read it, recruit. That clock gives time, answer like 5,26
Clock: 11,28
